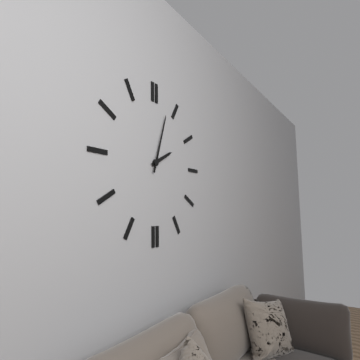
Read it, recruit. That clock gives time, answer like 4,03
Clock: 2,03
